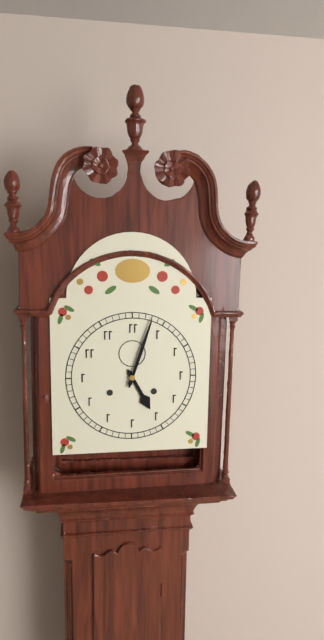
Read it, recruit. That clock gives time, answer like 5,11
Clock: 5,03
